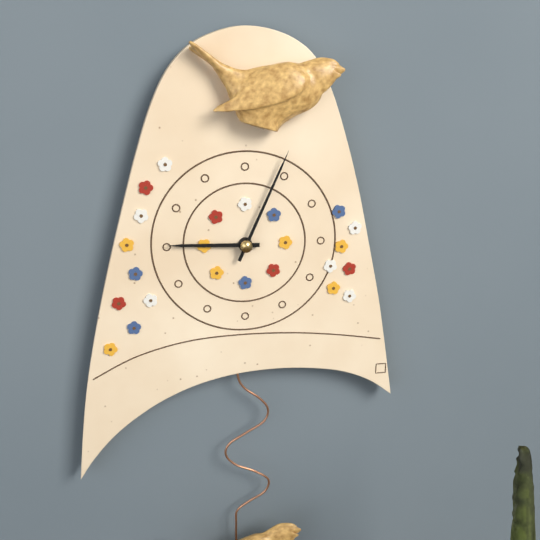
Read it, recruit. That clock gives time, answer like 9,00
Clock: 9,04
